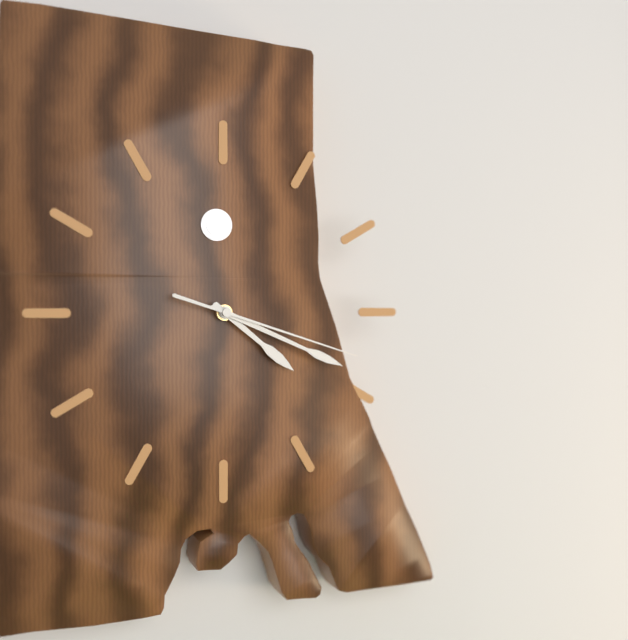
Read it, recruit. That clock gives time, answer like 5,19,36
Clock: 4,19,18
